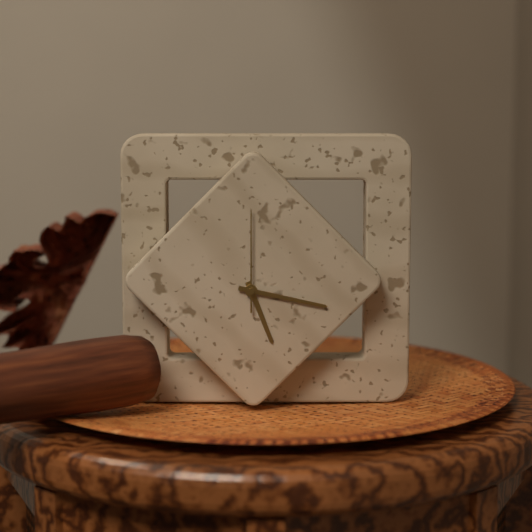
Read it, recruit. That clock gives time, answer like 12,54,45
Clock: 5,17,00
